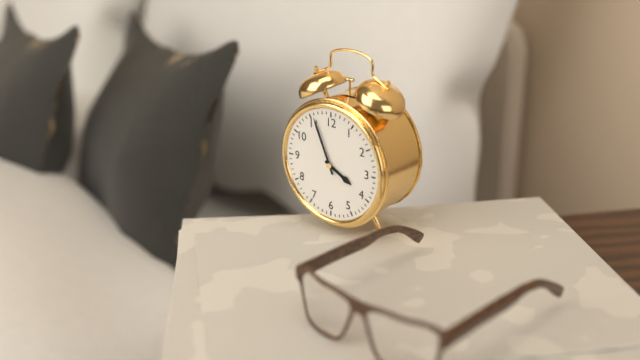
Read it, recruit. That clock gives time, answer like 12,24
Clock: 3,56
